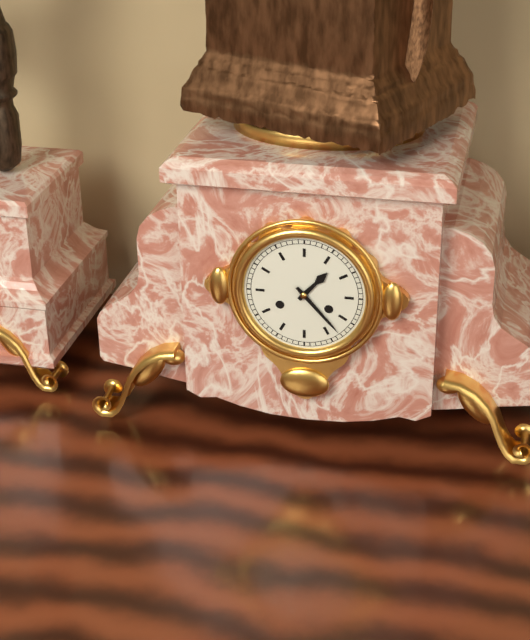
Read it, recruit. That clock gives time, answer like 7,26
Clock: 1,23
